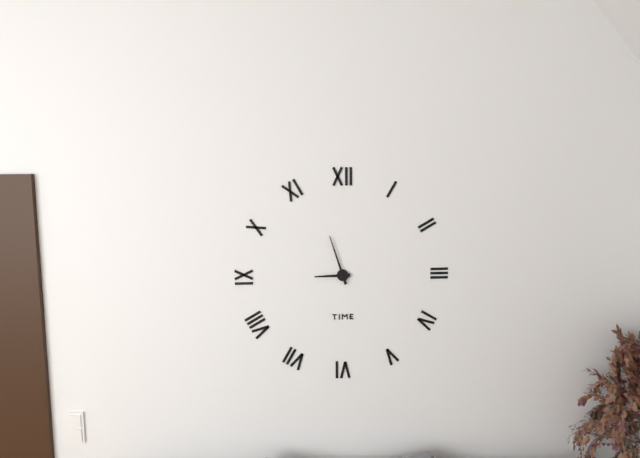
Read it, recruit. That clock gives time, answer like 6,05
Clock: 8,57
